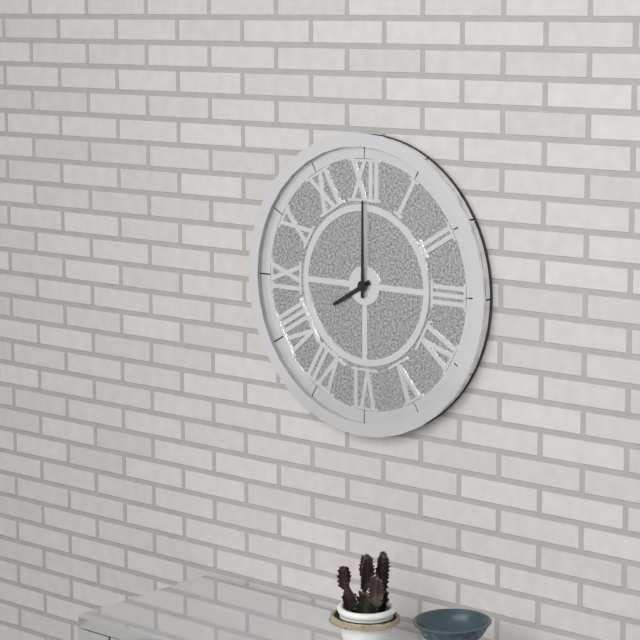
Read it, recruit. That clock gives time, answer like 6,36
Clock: 8,00
